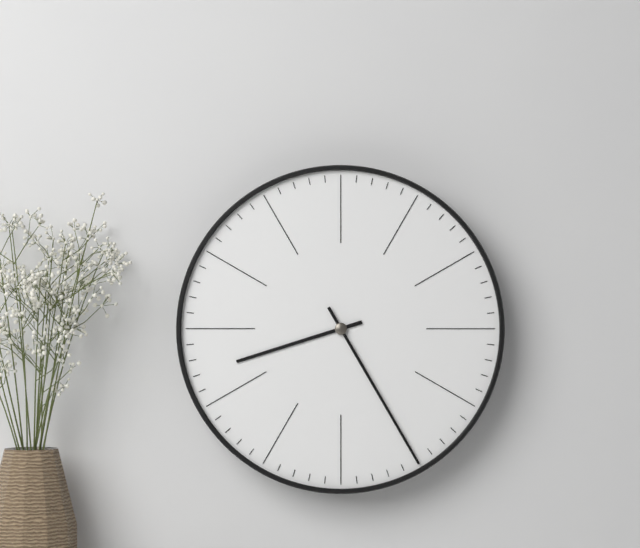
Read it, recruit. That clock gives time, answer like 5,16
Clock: 8,25
